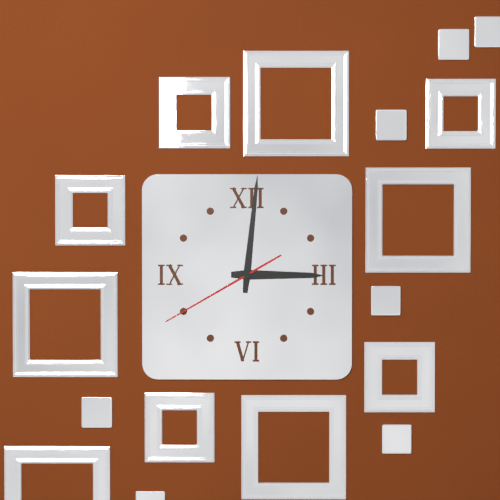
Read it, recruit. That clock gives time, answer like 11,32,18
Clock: 3,01,40
